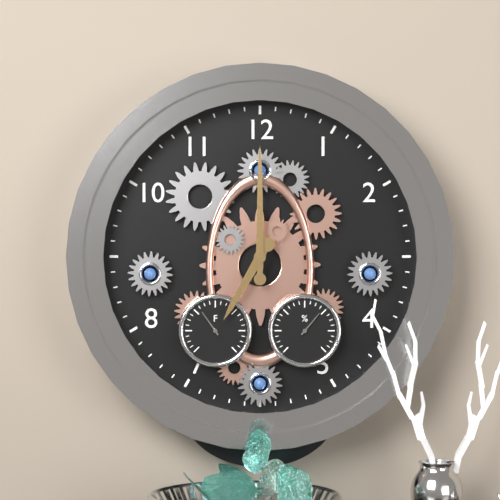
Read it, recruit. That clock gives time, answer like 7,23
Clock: 7,00
